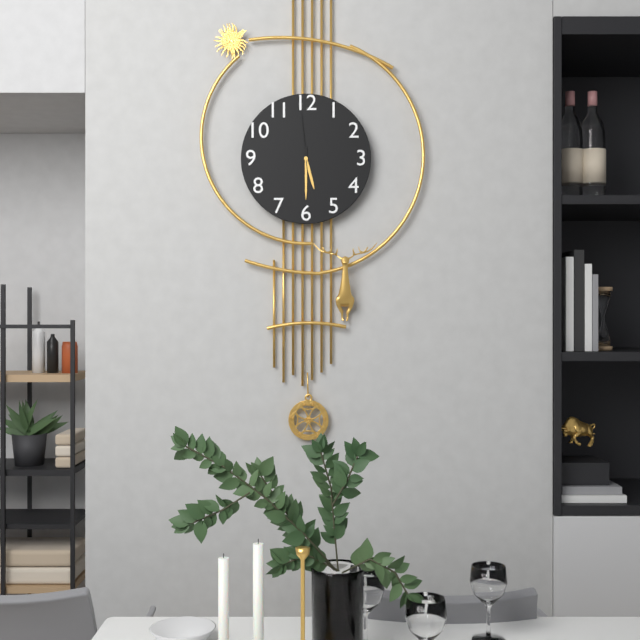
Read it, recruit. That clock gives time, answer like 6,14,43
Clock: 5,30,59
